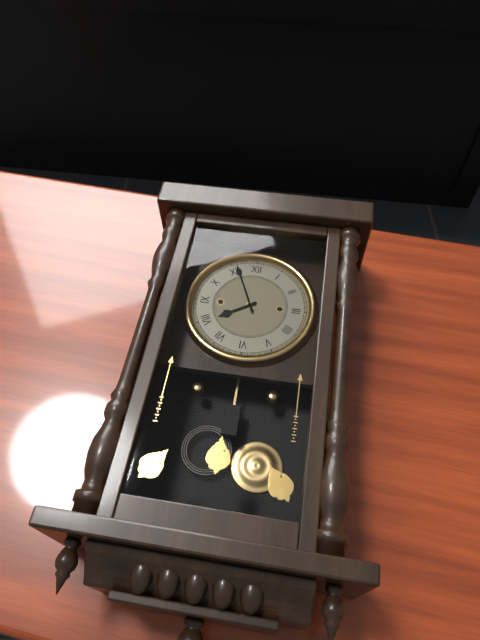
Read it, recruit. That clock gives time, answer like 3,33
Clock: 7,56
